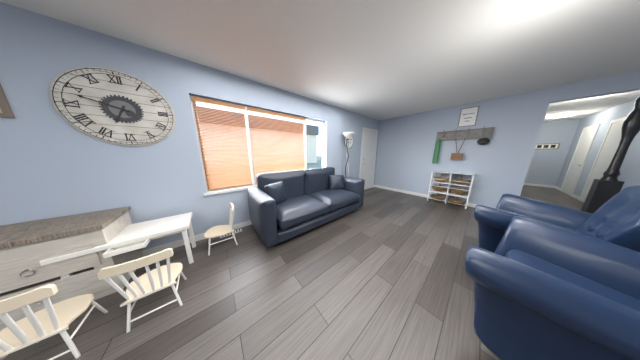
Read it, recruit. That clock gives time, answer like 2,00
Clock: 6,48
